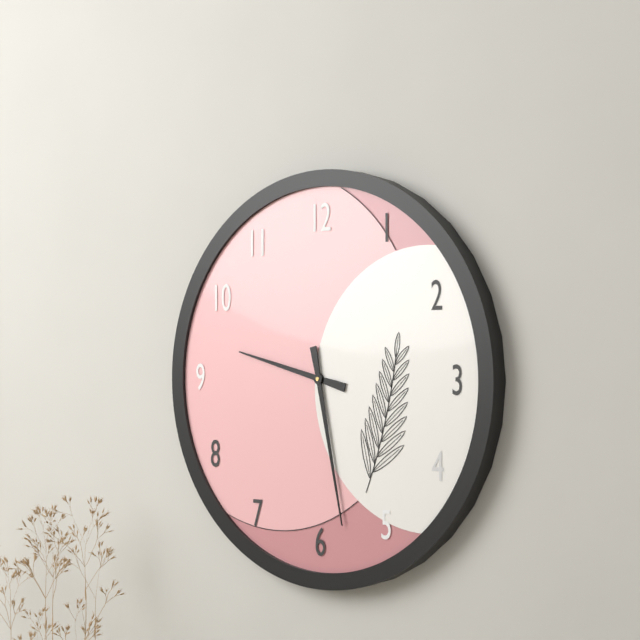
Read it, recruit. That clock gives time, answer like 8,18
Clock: 9,28
